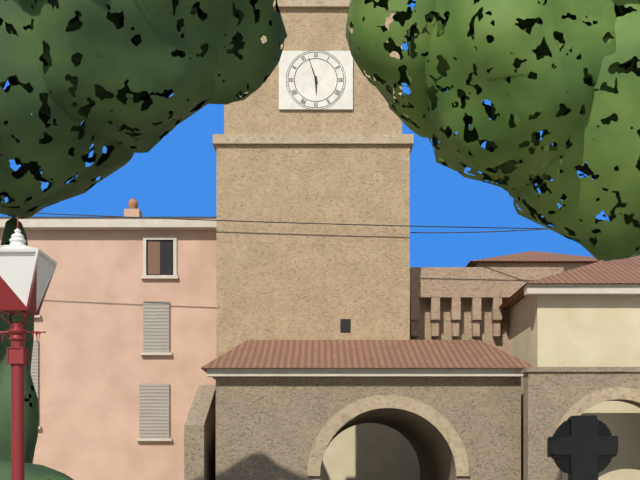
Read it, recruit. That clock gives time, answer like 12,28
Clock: 5,57
